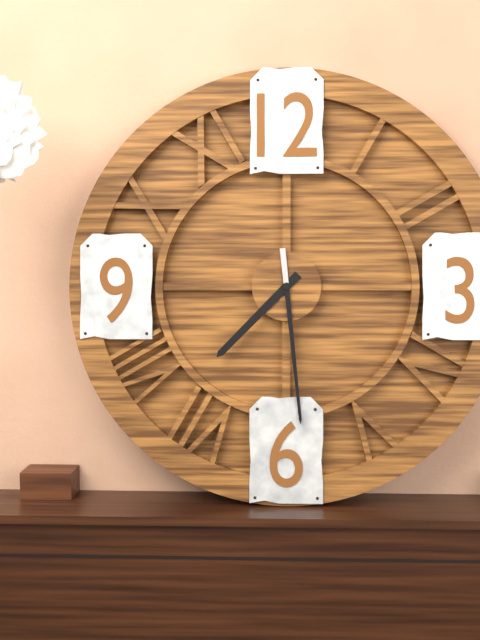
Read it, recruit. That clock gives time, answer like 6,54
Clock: 7,29
